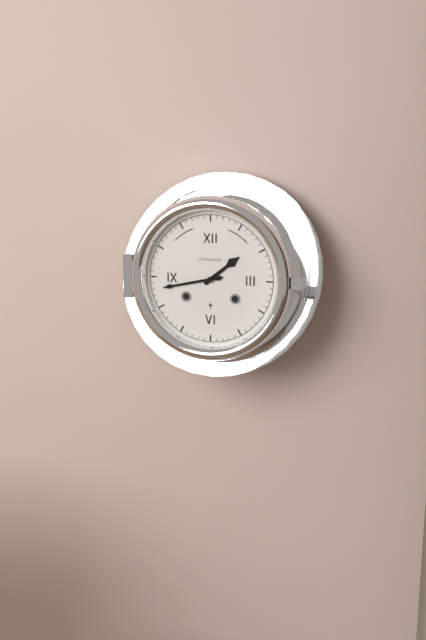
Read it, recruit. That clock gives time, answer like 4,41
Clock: 1,43
